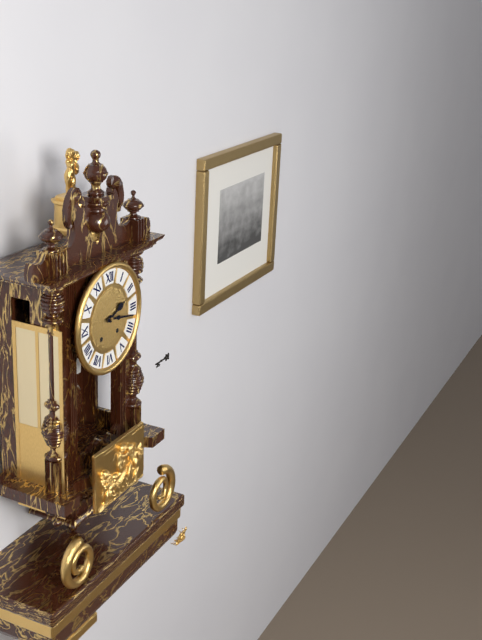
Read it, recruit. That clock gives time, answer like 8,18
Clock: 2,17
